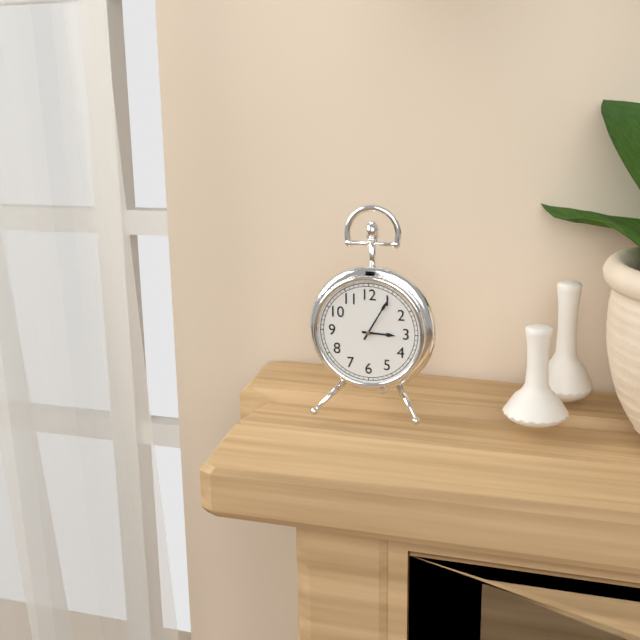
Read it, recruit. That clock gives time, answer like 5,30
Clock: 3,05
